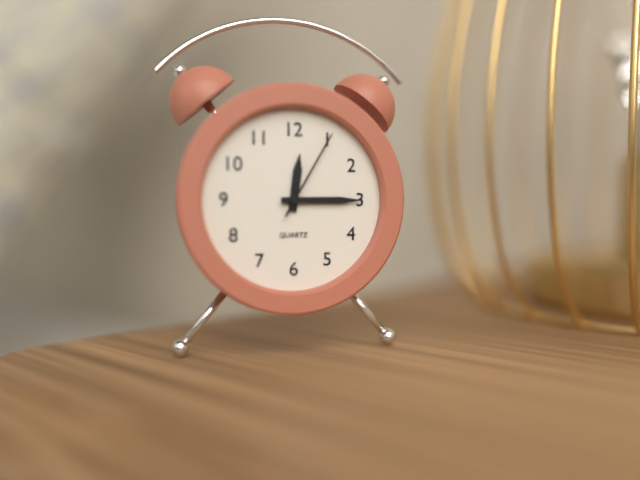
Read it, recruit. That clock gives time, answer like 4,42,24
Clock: 12,15,05
